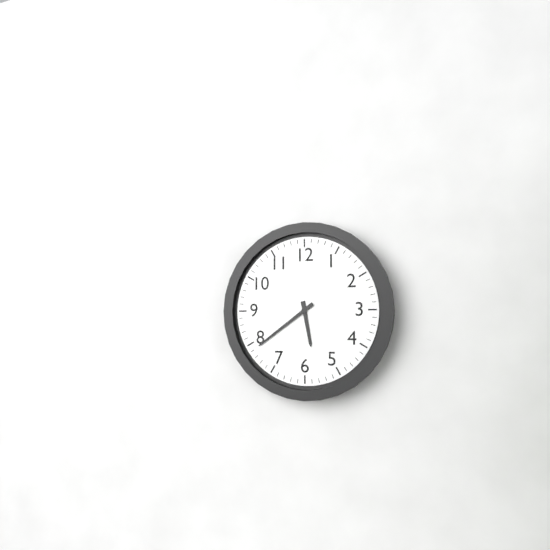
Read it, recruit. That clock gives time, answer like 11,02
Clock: 5,39
